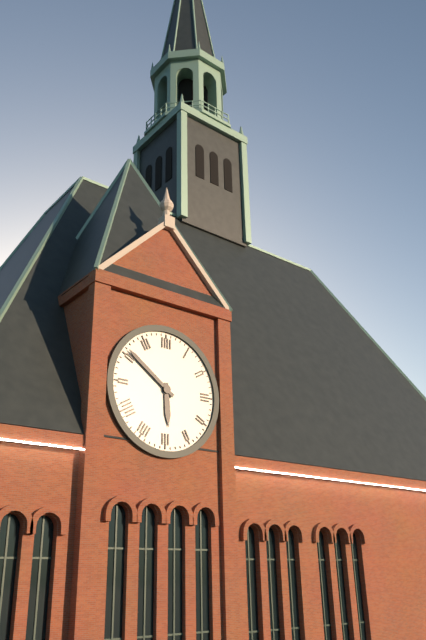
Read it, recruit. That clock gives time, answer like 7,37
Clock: 5,51
